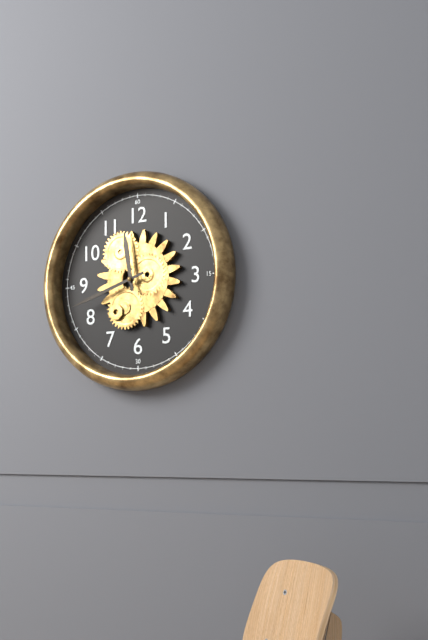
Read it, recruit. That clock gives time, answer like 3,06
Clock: 11,42
